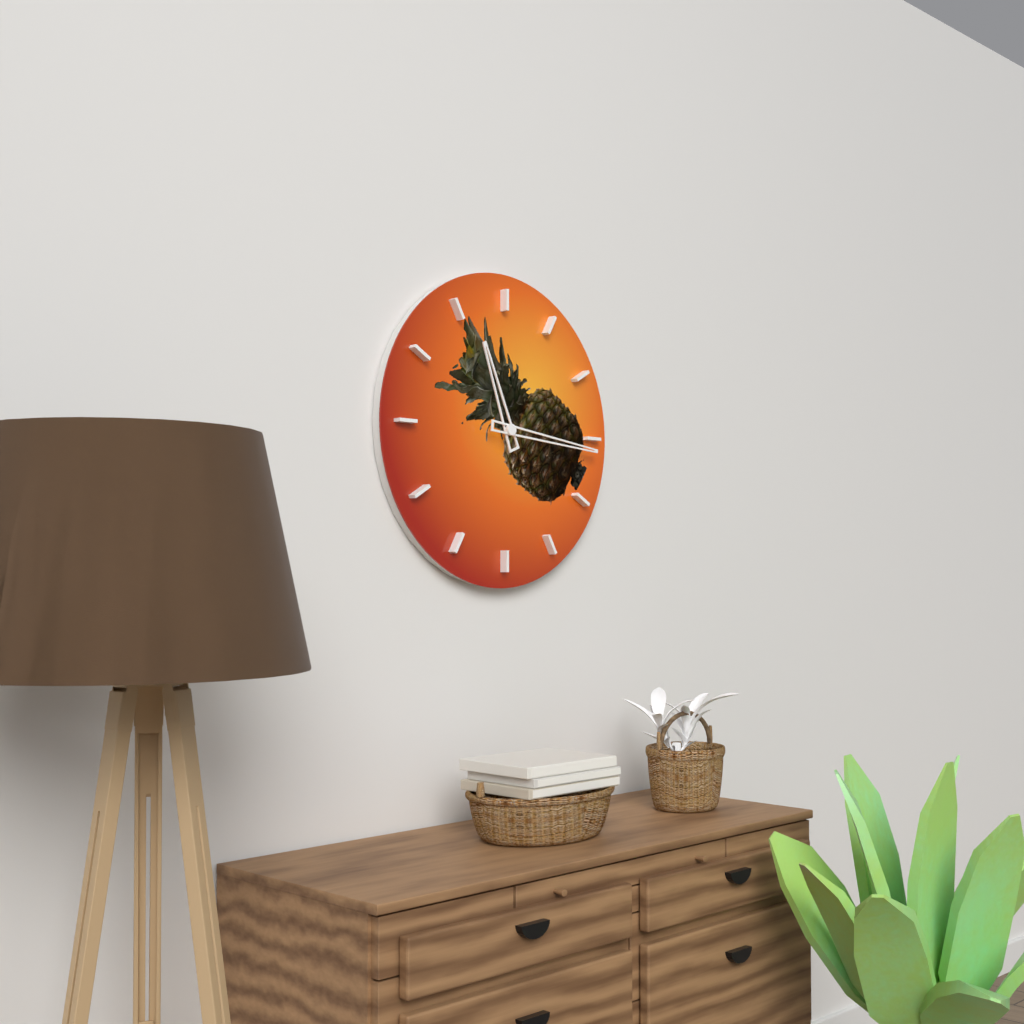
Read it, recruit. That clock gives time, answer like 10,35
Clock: 11,16
